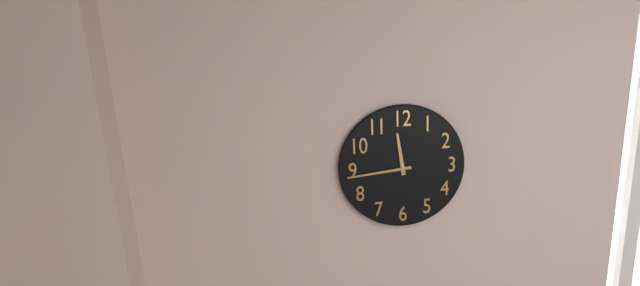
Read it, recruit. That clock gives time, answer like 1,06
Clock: 11,44
